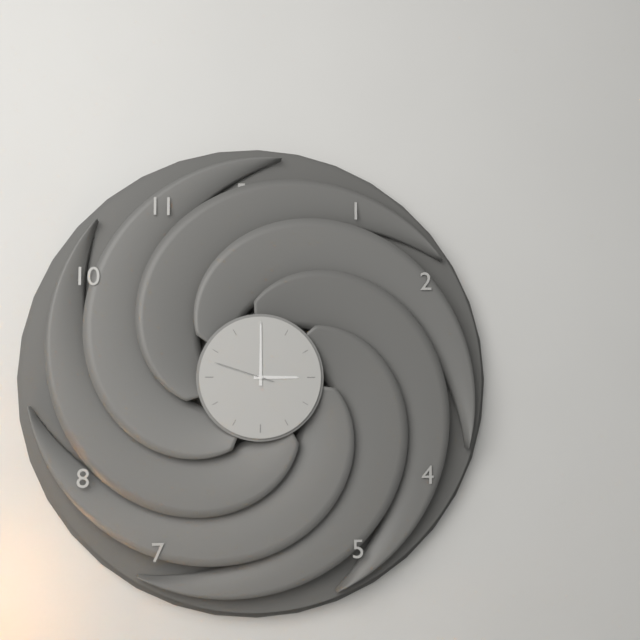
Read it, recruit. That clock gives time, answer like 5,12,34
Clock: 3,00,48
